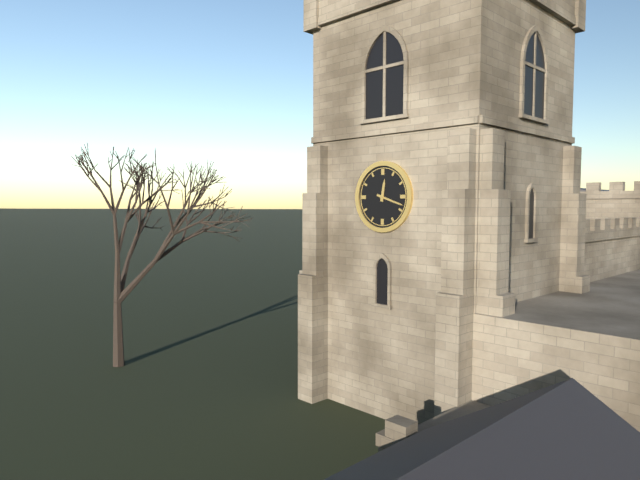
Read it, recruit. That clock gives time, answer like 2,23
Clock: 12,18
